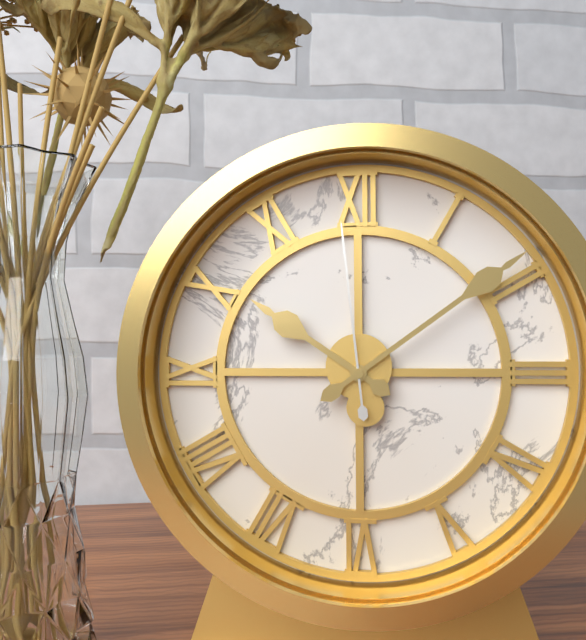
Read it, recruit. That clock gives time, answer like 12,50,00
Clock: 10,09,59
